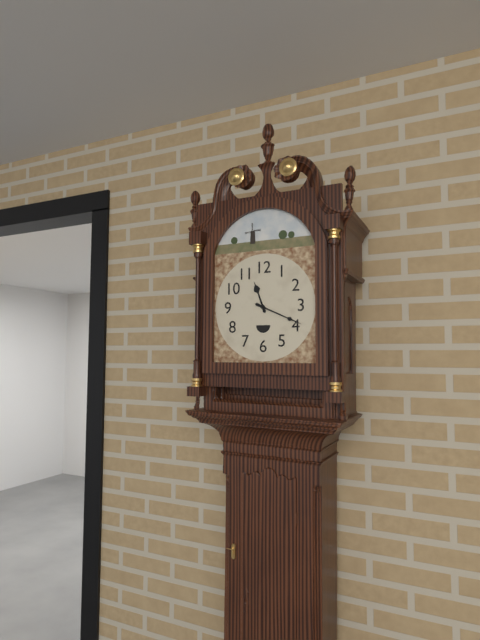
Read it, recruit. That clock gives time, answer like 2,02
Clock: 11,19
